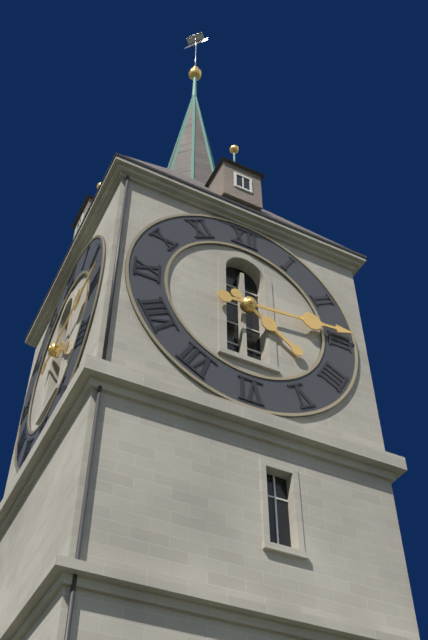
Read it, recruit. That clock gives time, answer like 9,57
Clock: 4,14
